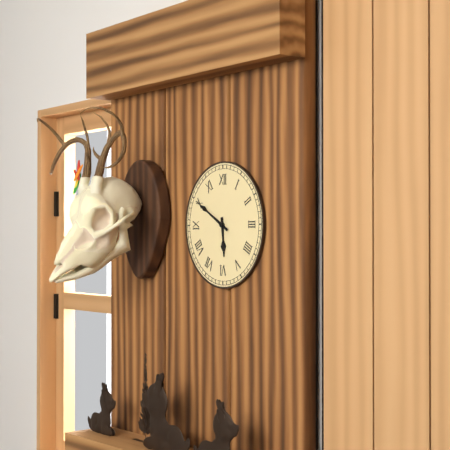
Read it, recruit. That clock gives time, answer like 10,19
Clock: 5,50
